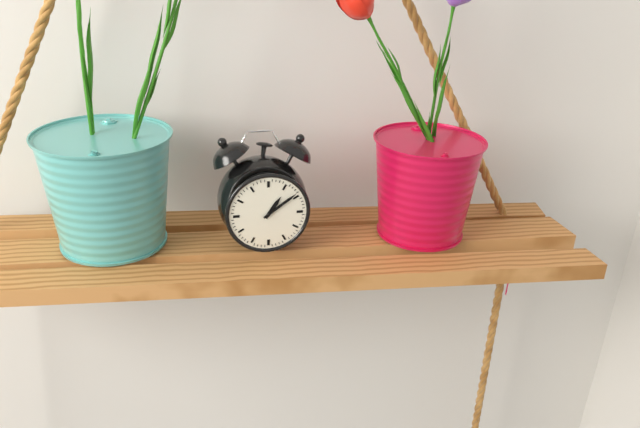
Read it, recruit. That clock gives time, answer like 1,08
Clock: 1,09
